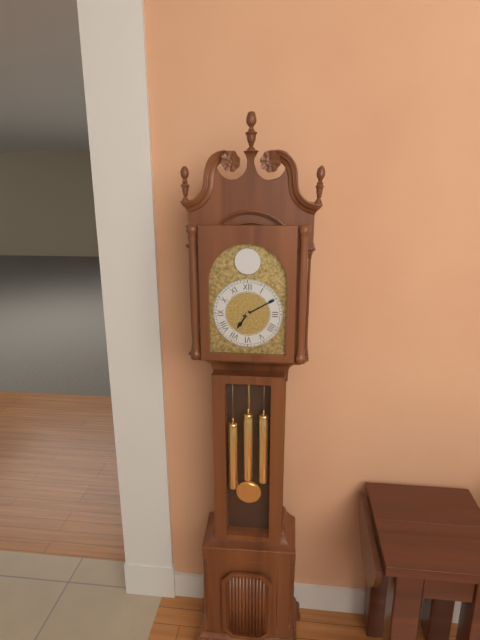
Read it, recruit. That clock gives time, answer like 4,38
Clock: 7,10
